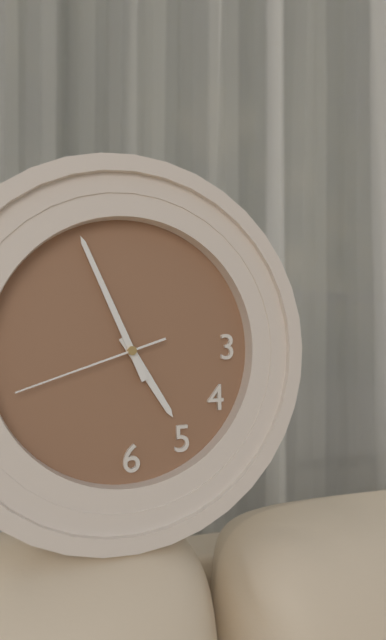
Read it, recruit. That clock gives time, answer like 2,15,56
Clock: 4,56,42
